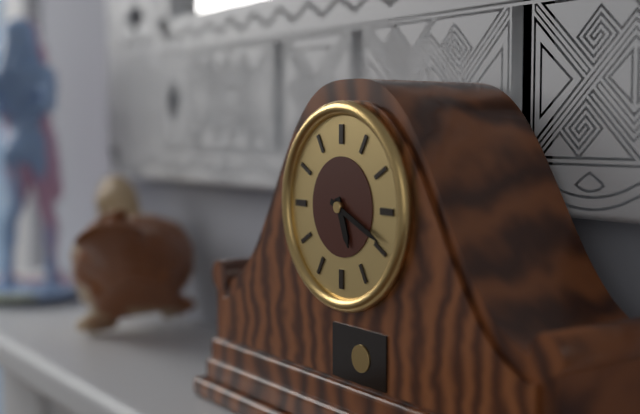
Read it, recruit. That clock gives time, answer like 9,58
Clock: 5,19
